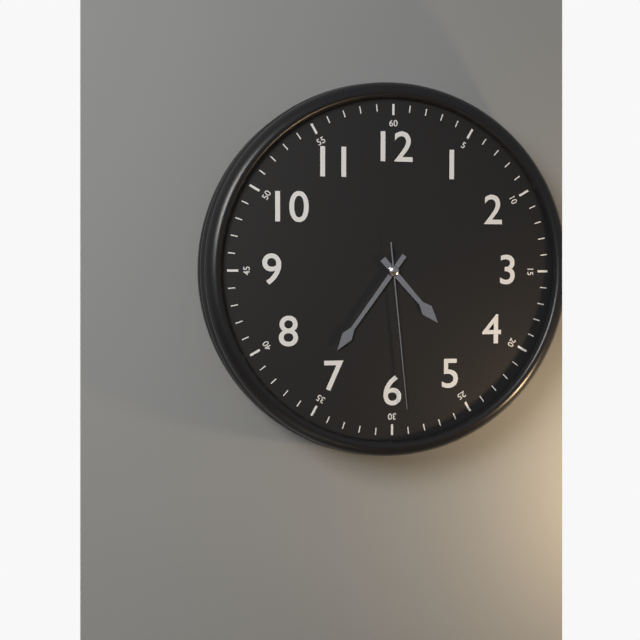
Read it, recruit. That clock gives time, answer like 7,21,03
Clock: 4,36,29
